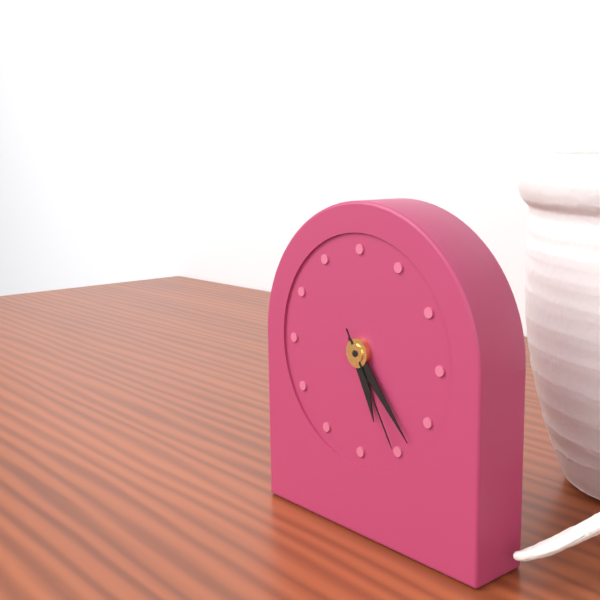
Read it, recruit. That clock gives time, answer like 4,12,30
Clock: 5,23,25
